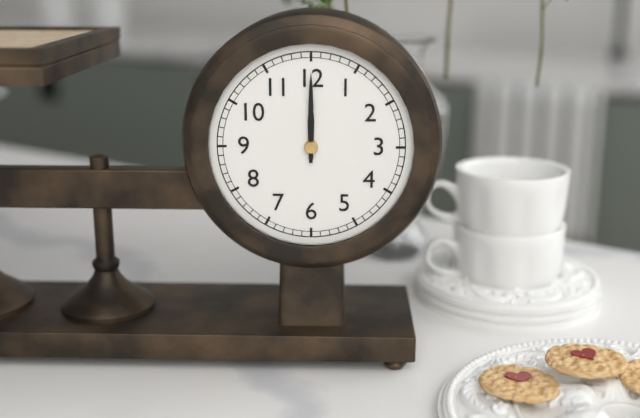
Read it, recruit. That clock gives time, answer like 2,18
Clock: 12,00
